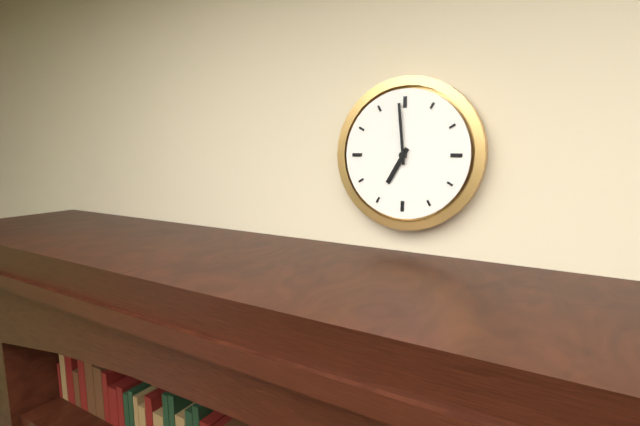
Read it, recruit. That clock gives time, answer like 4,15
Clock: 6,59
